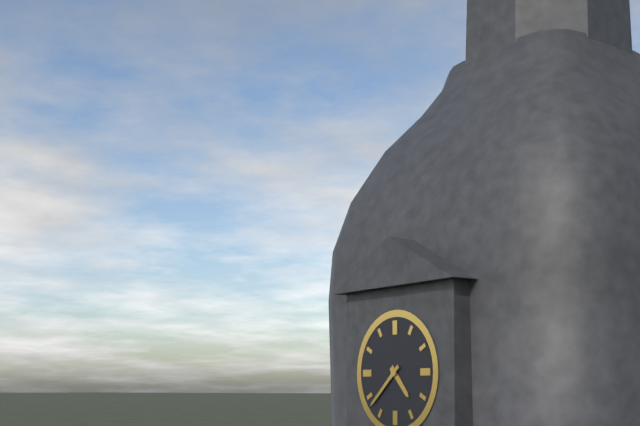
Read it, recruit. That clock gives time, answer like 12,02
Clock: 4,38
